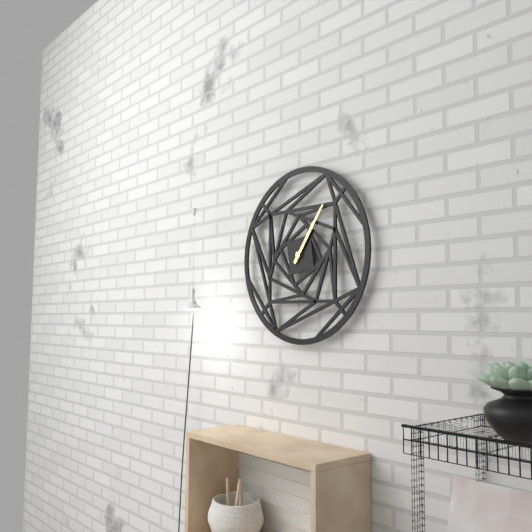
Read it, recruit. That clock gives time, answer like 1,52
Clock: 1,06
